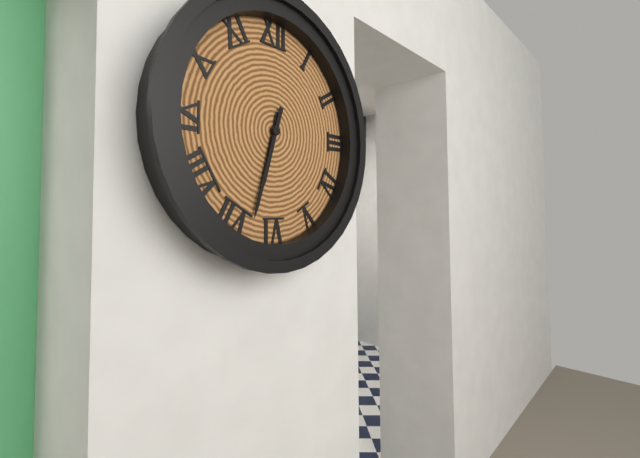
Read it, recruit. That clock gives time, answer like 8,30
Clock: 6,33
